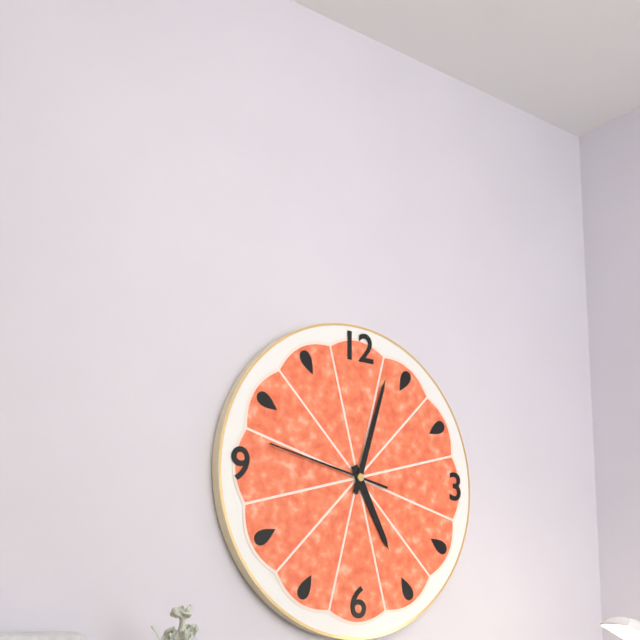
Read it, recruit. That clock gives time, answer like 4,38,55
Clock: 5,03,47
